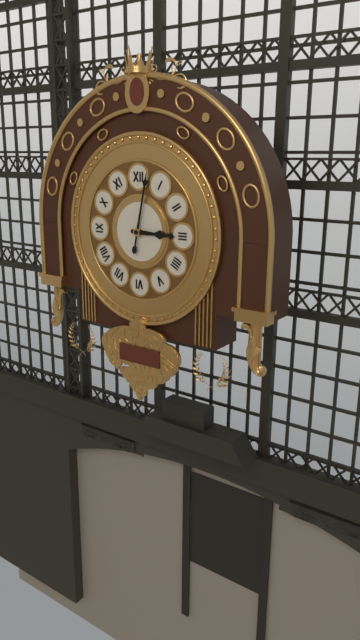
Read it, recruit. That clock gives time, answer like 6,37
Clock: 3,02
